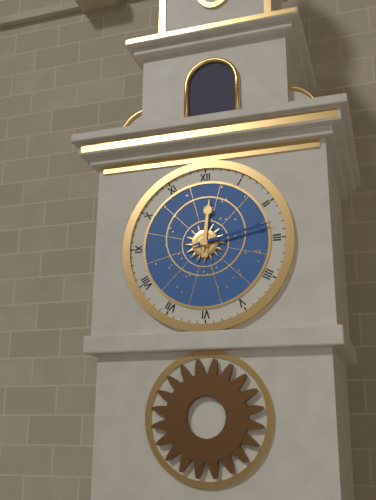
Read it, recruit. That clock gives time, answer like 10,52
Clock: 12,13
